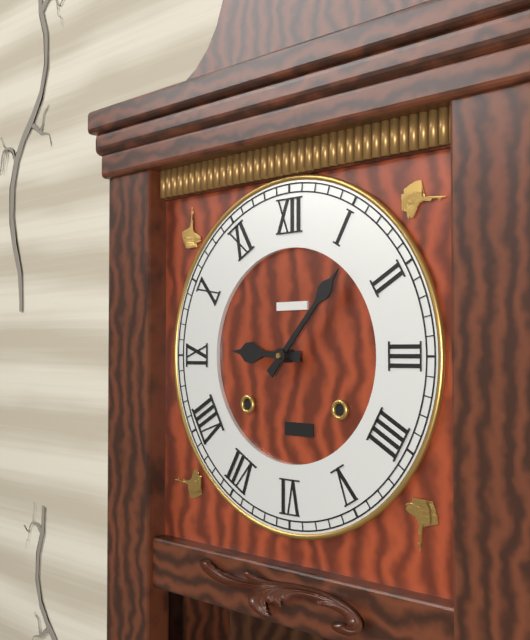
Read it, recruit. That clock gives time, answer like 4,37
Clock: 9,07
